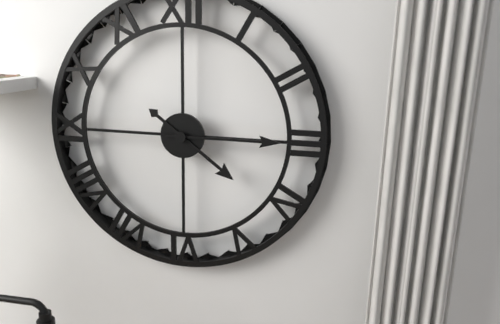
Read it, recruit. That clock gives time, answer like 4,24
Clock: 4,15
